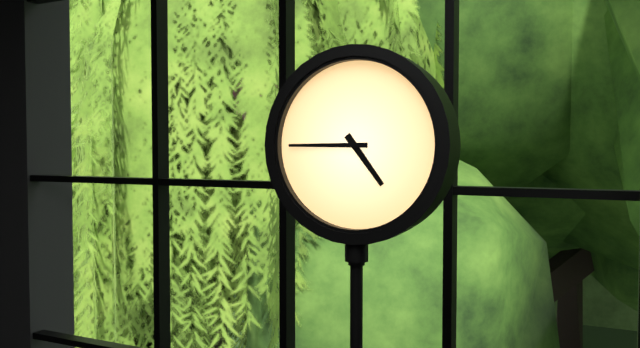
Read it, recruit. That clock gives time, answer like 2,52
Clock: 4,45
